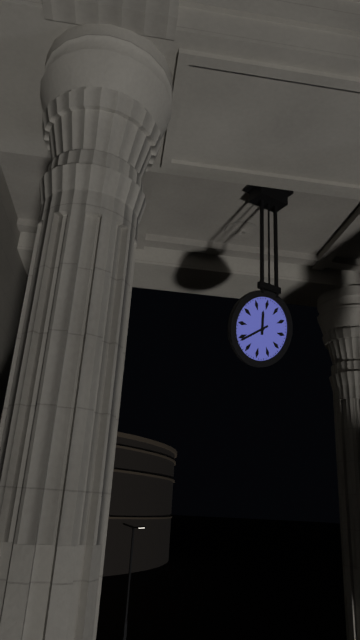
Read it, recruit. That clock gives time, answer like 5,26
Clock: 11,39
